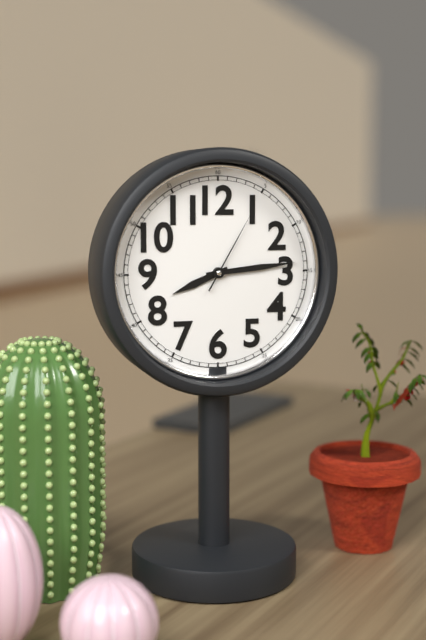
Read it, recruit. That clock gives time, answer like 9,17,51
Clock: 8,14,05
